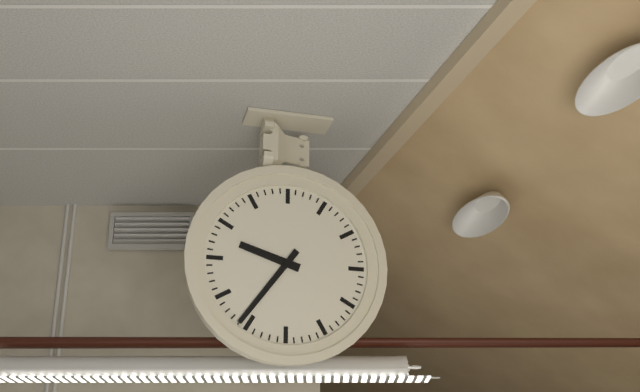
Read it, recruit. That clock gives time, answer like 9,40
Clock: 9,36
